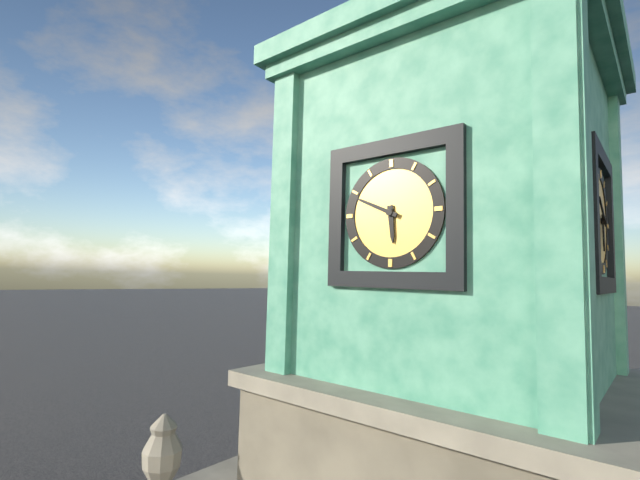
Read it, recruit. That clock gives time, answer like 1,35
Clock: 5,49
